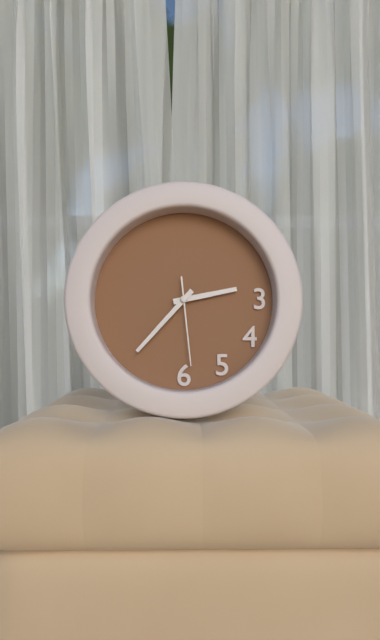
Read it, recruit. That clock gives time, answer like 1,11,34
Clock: 2,37,29
